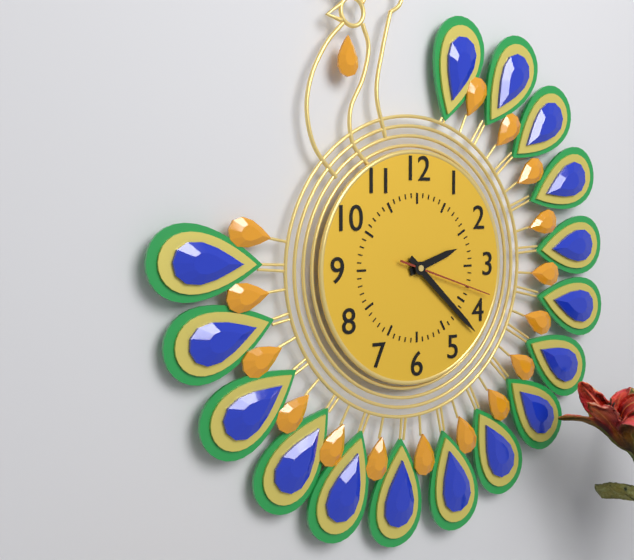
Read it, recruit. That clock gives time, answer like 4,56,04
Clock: 2,22,18
